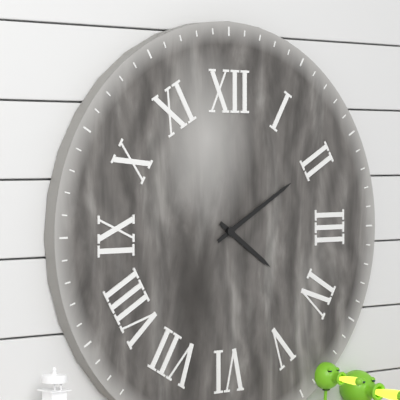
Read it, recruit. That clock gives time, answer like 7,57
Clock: 4,10
